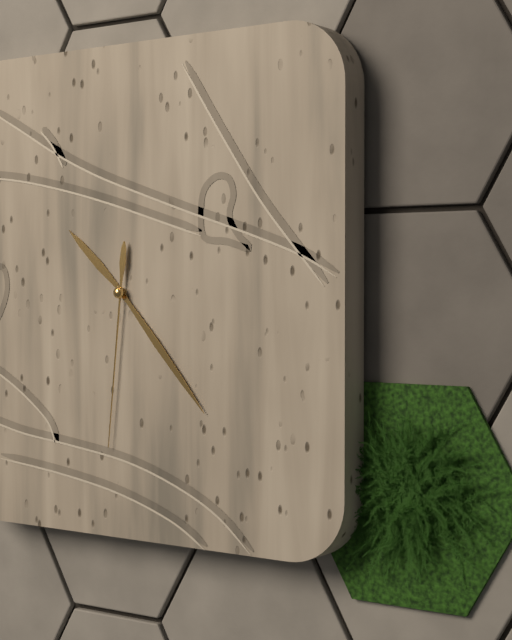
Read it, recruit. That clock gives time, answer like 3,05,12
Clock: 10,23,31
